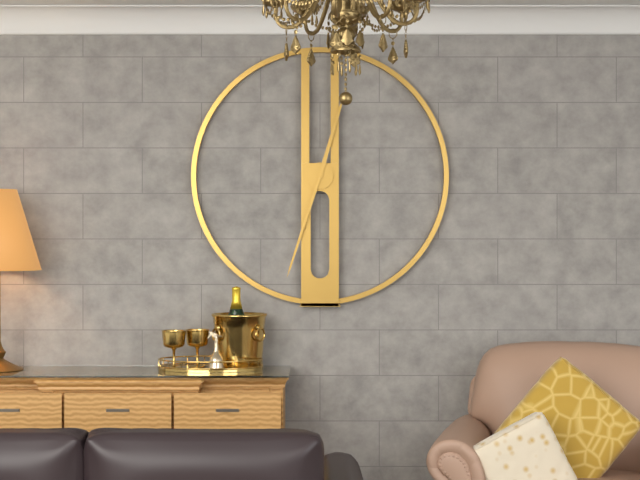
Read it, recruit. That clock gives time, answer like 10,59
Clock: 12,33
